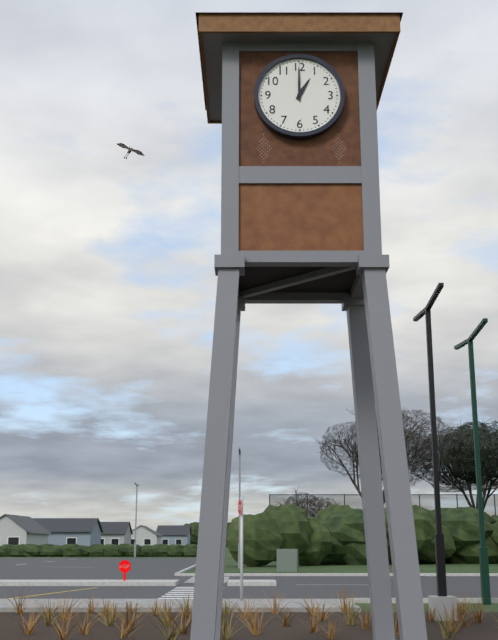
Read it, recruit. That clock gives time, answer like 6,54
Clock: 1,00
